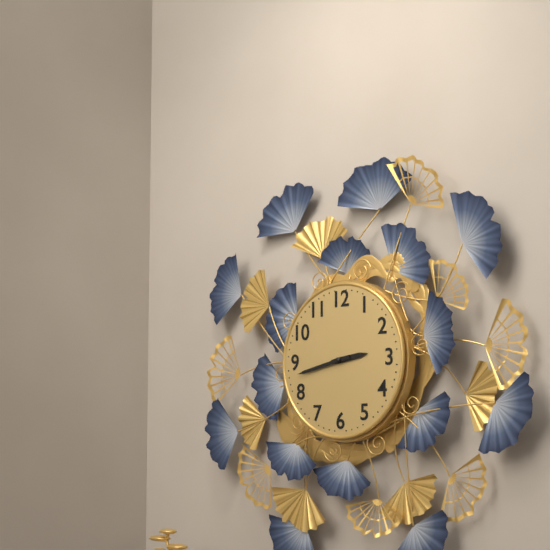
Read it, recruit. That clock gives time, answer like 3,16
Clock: 2,43
